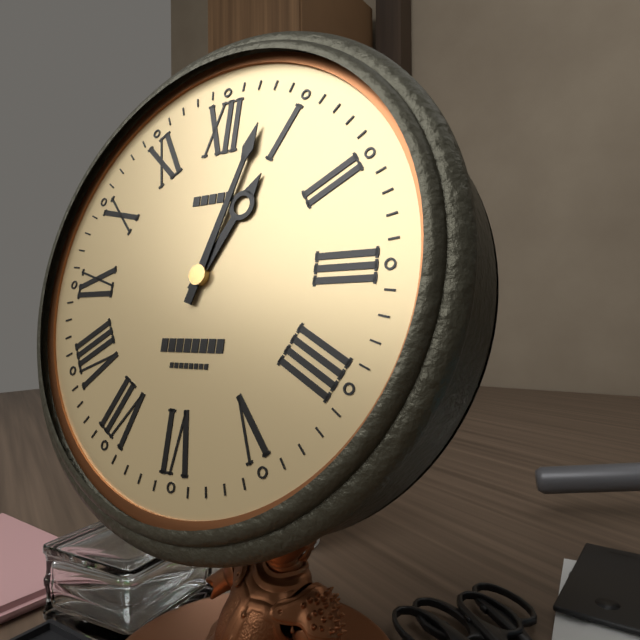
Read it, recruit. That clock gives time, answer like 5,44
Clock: 1,03
